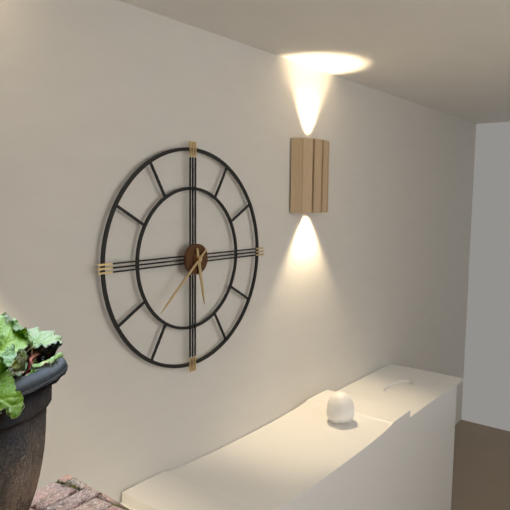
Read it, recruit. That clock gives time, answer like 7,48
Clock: 5,38
